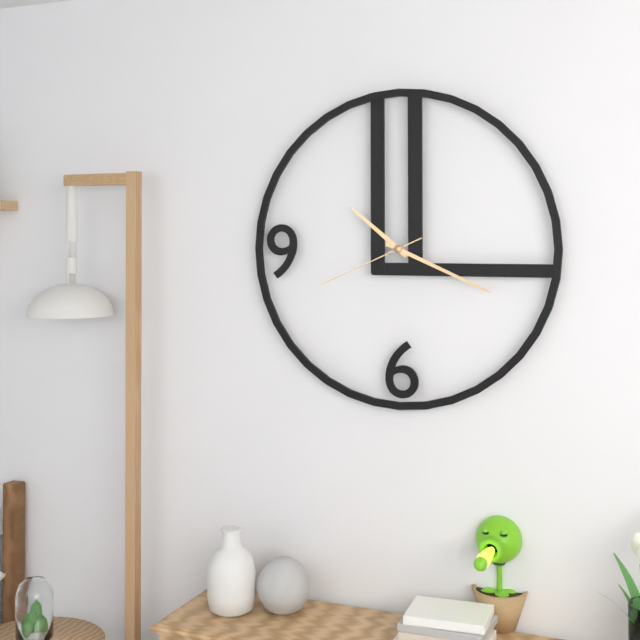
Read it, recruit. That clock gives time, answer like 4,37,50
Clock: 10,19,41
